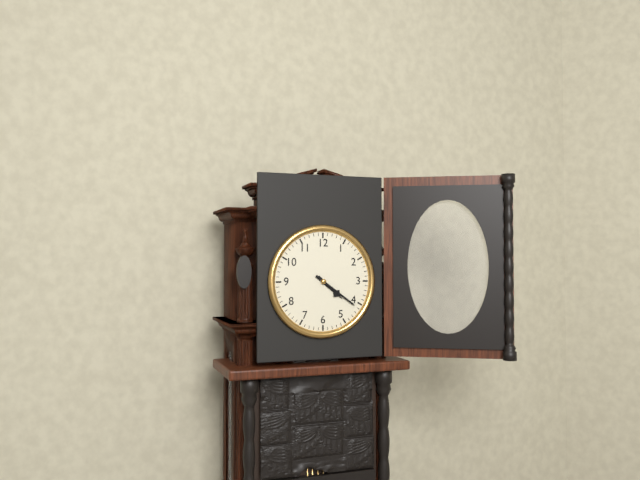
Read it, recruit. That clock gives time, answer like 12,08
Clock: 4,21
